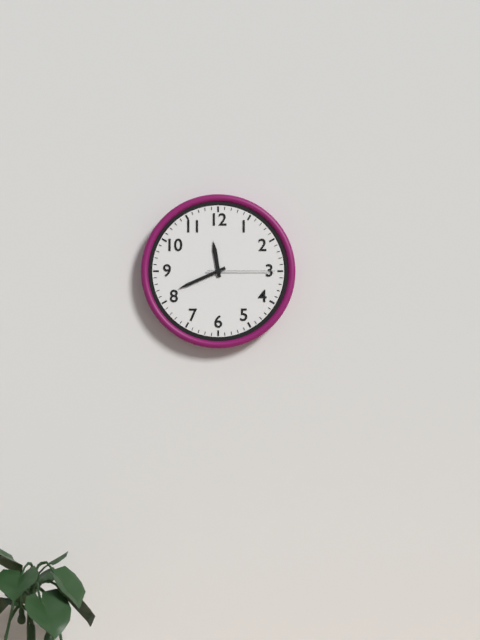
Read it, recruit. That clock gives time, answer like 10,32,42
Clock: 11,41,15
